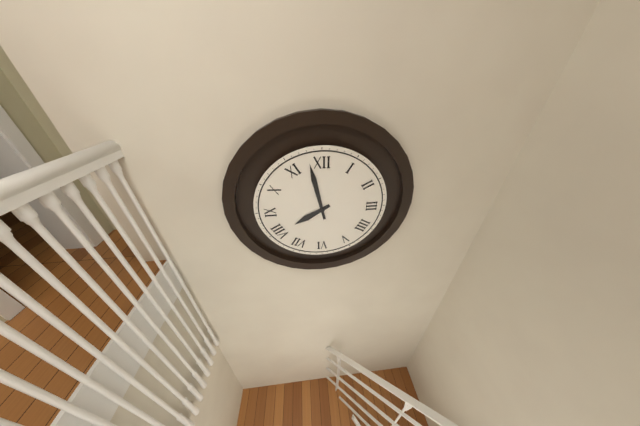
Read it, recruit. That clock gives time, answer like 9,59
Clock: 7,58
